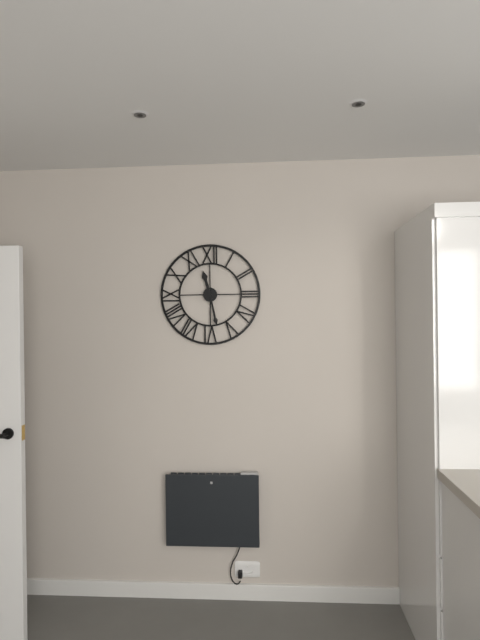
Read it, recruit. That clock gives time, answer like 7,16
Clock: 11,28
